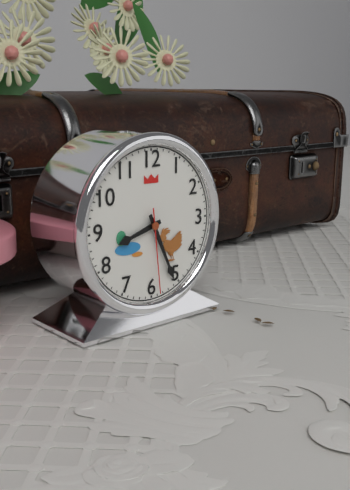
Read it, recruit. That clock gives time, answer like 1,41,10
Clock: 8,26,29
